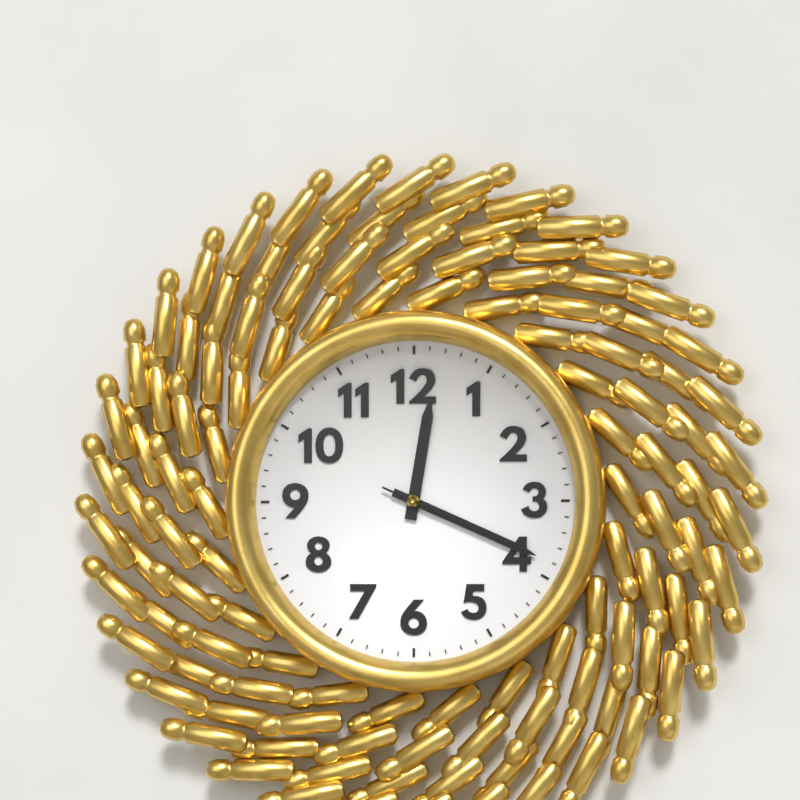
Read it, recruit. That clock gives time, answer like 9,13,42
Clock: 12,19,19
